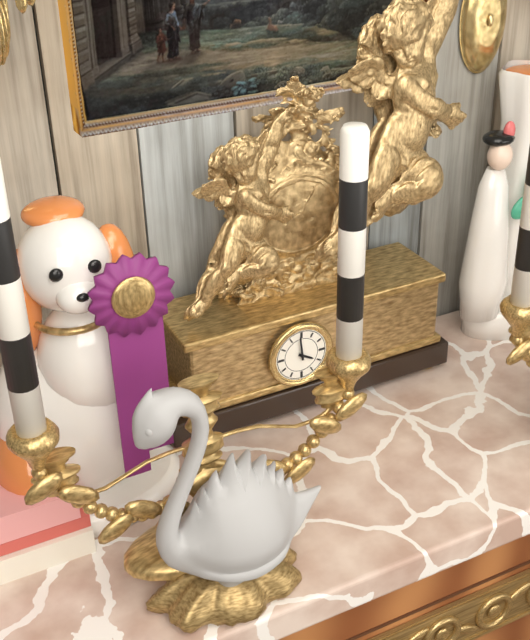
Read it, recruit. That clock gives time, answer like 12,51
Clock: 3,59
